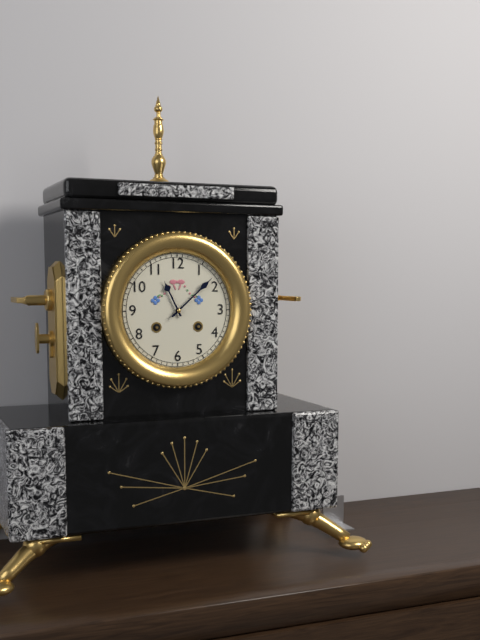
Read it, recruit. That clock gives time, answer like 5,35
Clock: 11,08
